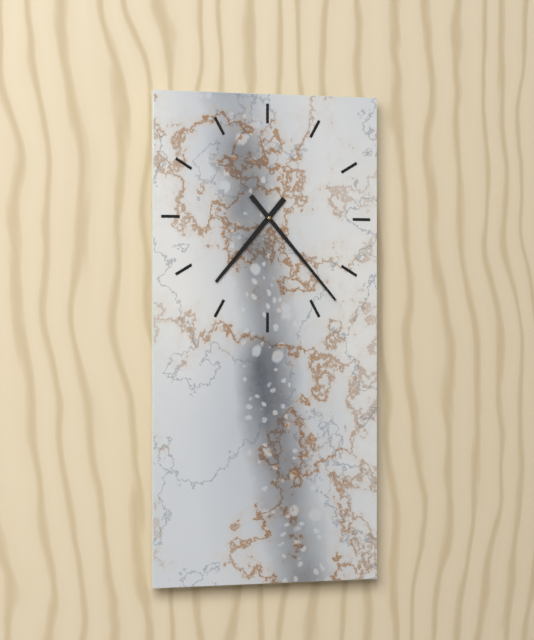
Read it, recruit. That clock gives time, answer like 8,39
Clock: 7,23
